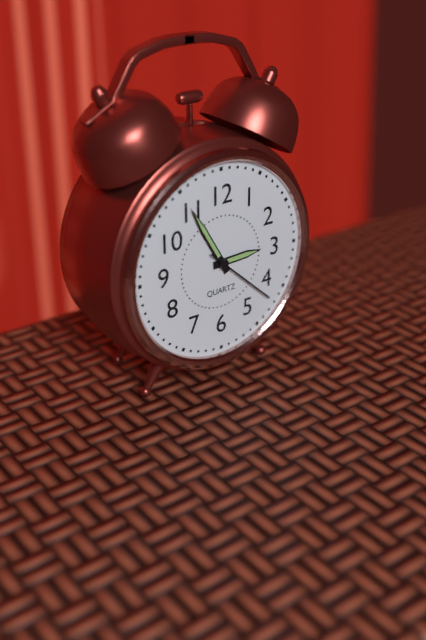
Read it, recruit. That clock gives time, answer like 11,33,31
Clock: 2,55,22
